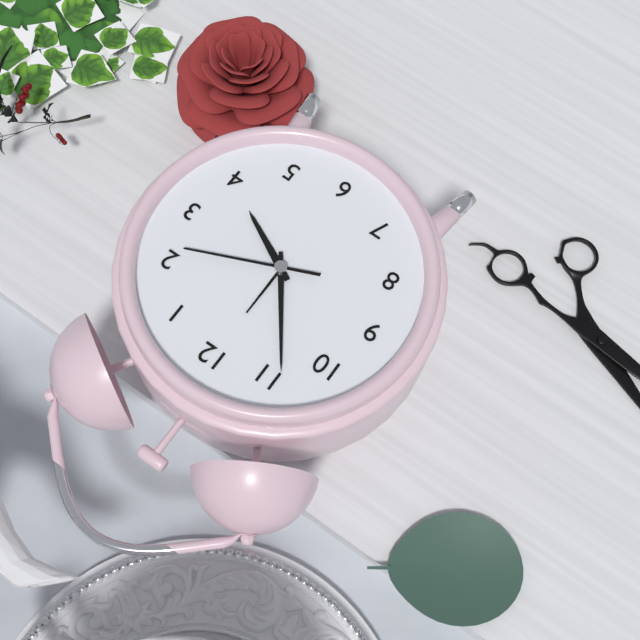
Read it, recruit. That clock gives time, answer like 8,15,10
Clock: 3,54,11
